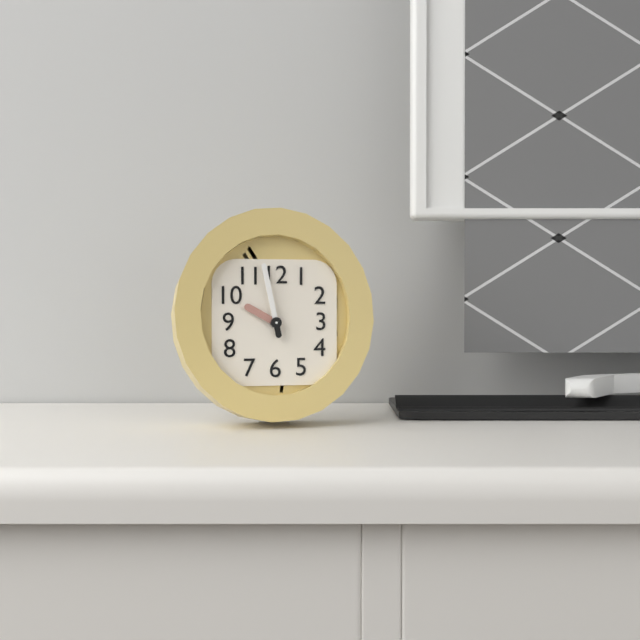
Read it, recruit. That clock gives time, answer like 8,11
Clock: 9,58
